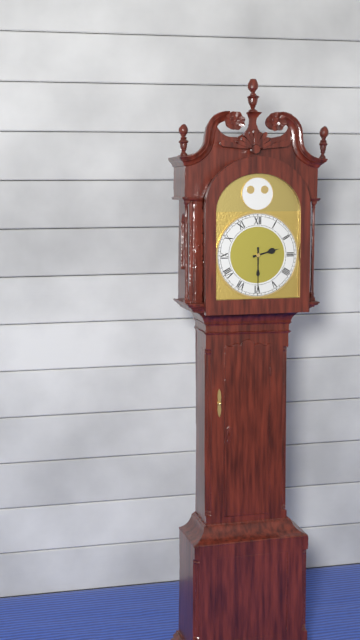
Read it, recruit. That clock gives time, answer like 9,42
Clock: 2,30
